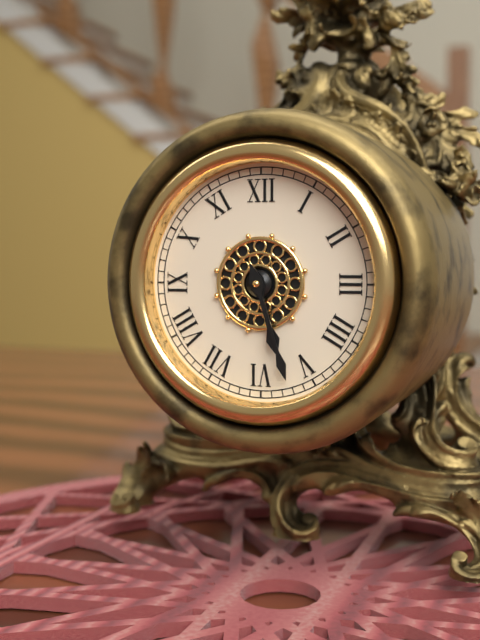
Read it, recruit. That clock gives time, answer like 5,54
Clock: 5,27
